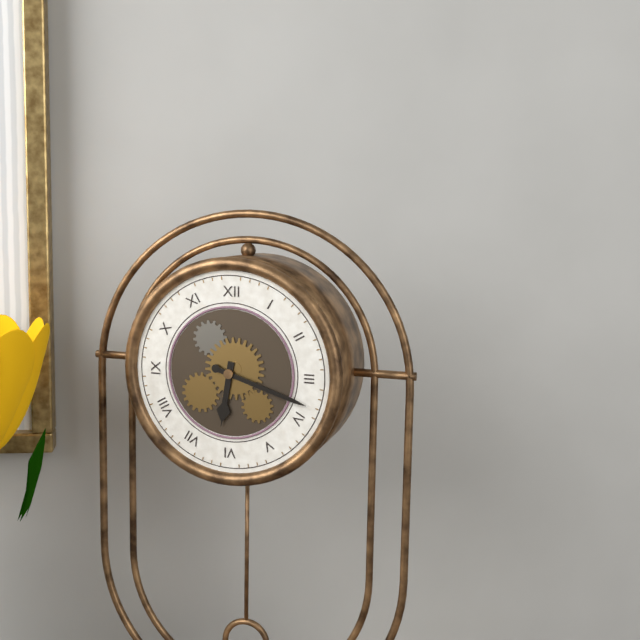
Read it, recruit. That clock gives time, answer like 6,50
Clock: 6,18
